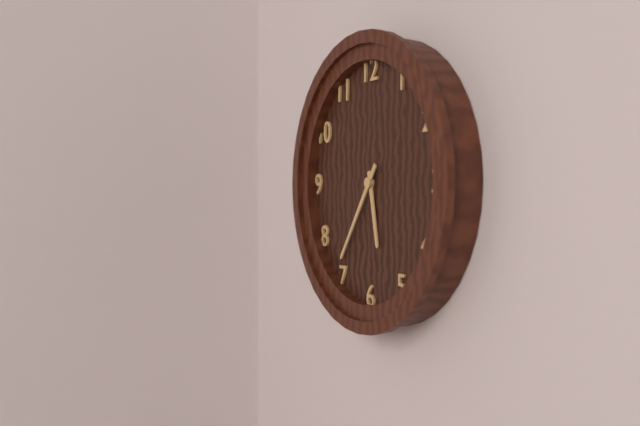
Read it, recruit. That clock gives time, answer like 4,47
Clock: 5,36
